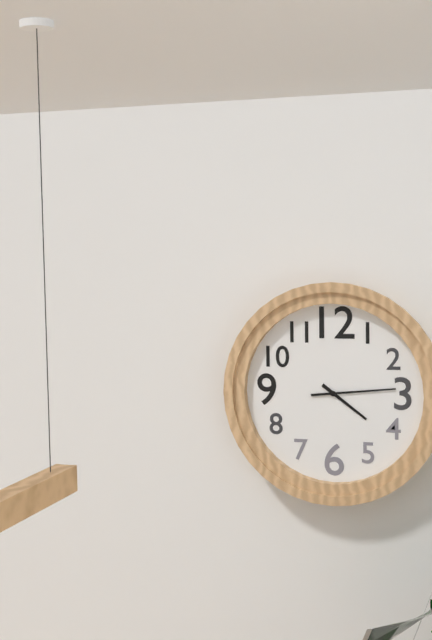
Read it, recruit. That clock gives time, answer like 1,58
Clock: 4,14
